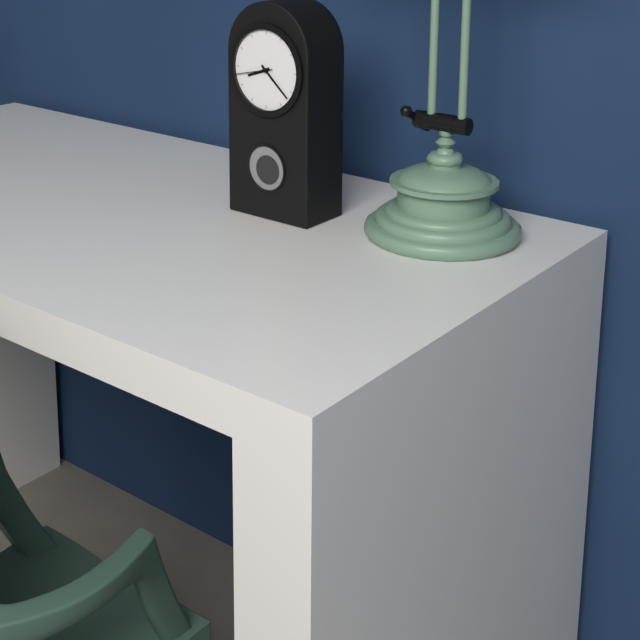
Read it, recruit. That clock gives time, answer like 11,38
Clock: 8,22
